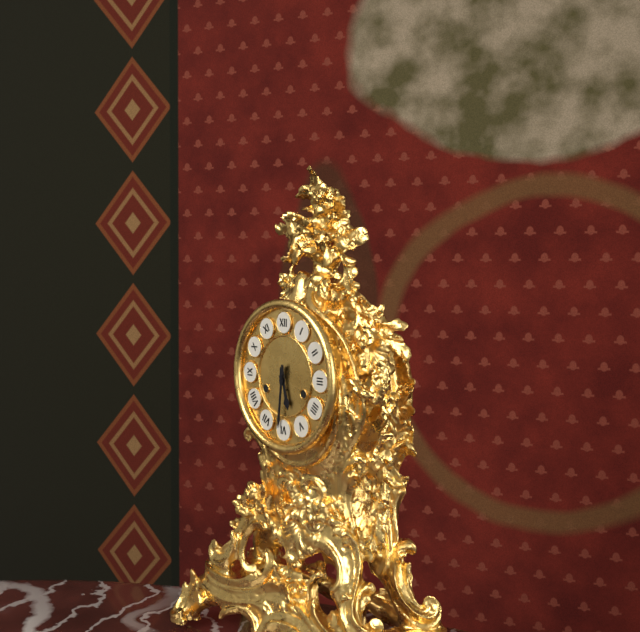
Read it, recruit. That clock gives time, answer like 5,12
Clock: 5,31
